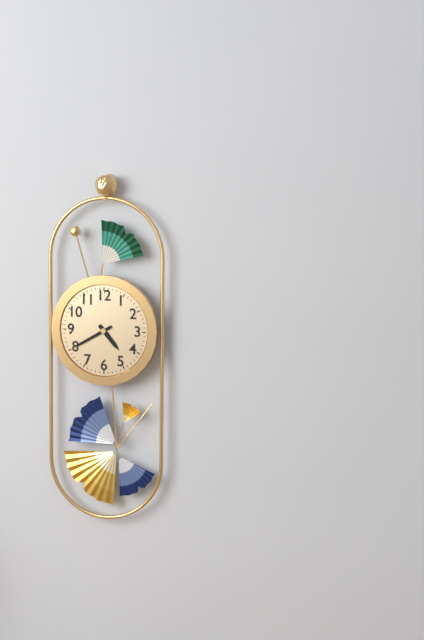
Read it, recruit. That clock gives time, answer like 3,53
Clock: 4,40
